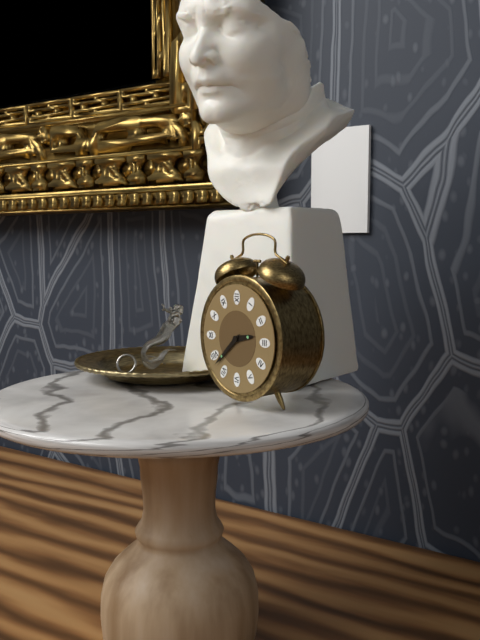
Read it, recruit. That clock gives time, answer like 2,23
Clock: 2,38
